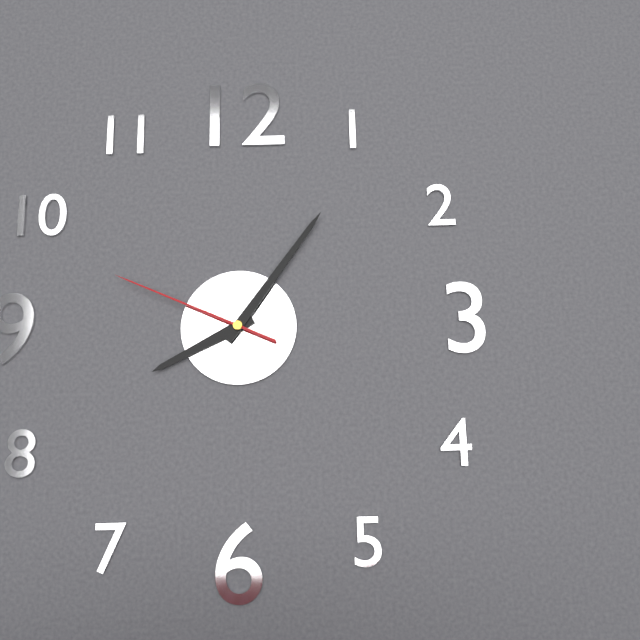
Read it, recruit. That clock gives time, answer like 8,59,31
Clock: 8,06,49
